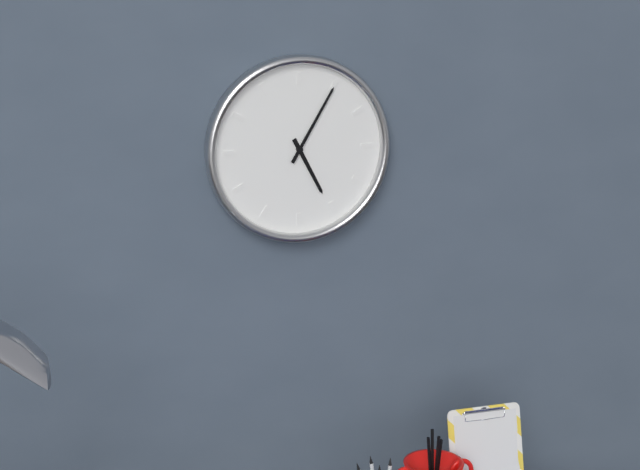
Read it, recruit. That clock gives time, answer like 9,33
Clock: 5,05
